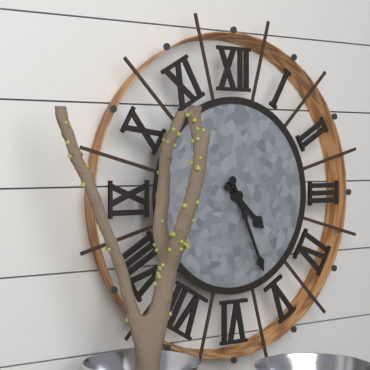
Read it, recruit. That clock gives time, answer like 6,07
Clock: 4,26
